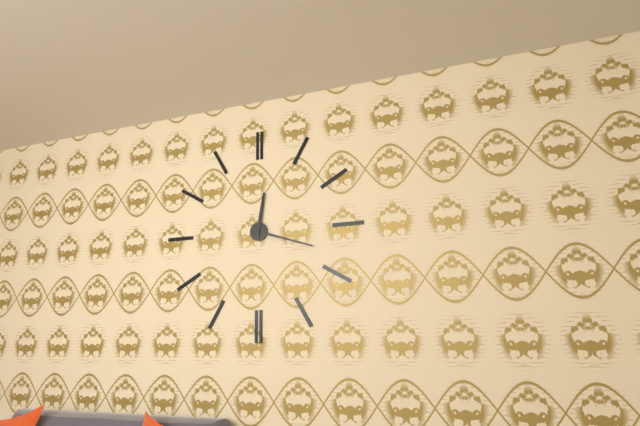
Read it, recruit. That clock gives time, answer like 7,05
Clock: 12,18
